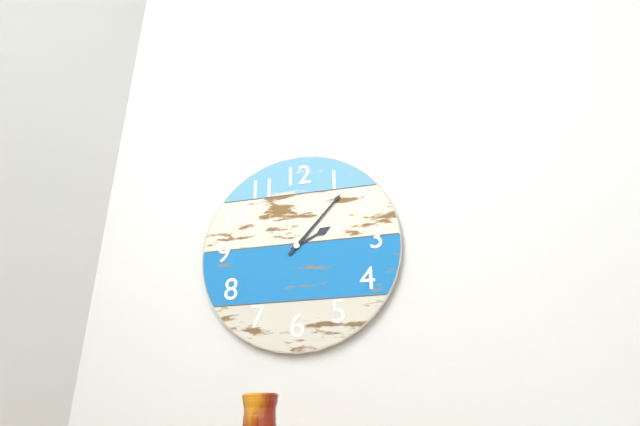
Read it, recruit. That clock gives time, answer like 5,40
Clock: 2,07
